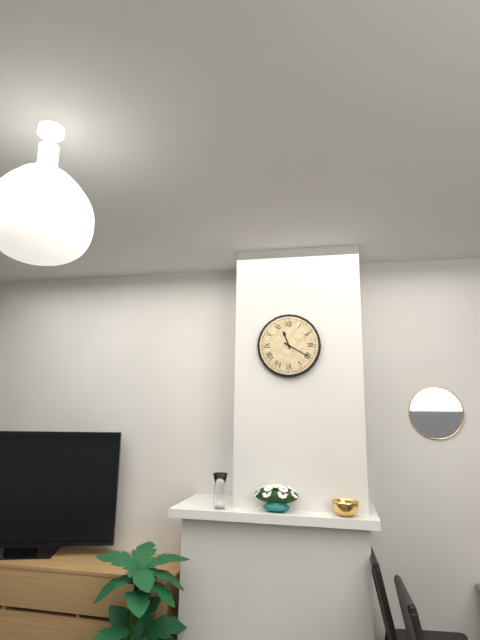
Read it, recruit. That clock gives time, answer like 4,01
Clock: 11,20
